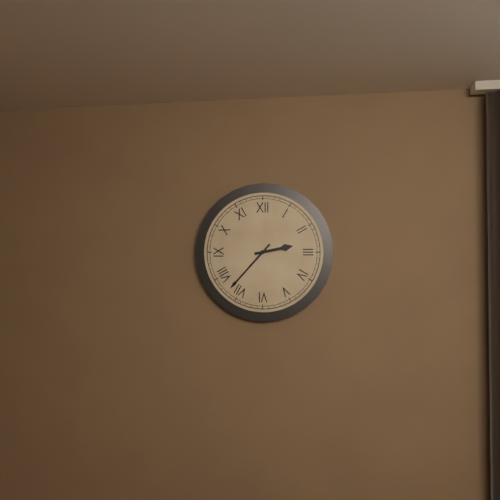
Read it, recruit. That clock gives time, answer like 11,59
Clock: 2,37
